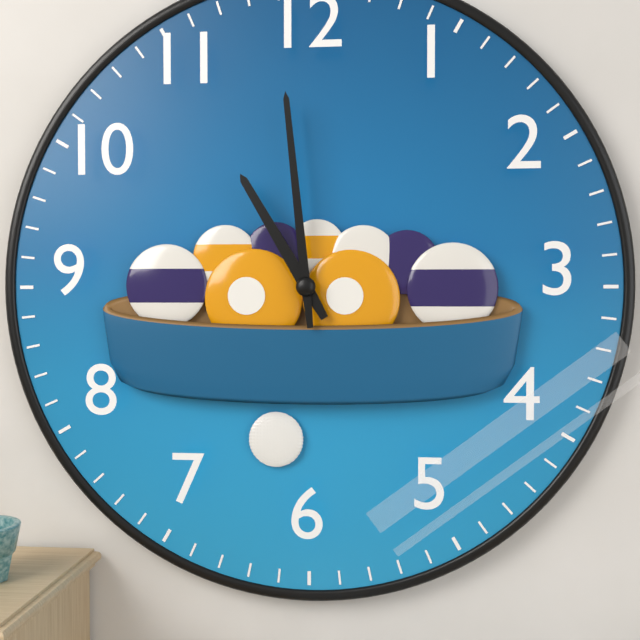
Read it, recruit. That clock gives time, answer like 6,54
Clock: 10,59
